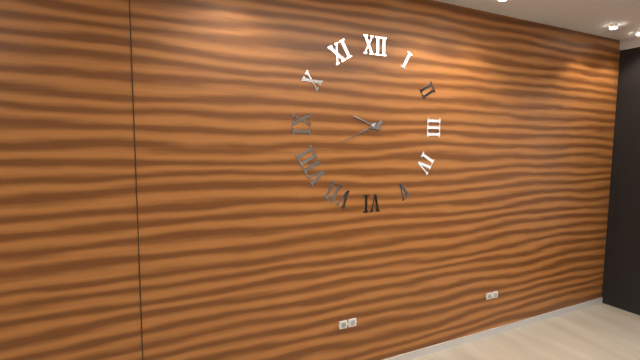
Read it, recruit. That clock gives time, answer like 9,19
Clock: 9,41
